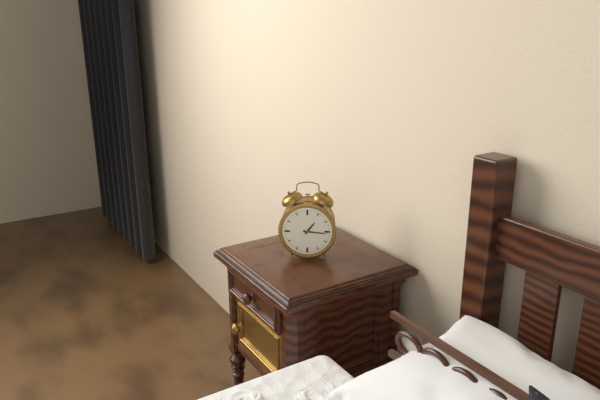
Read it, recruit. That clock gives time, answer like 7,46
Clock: 1,16
